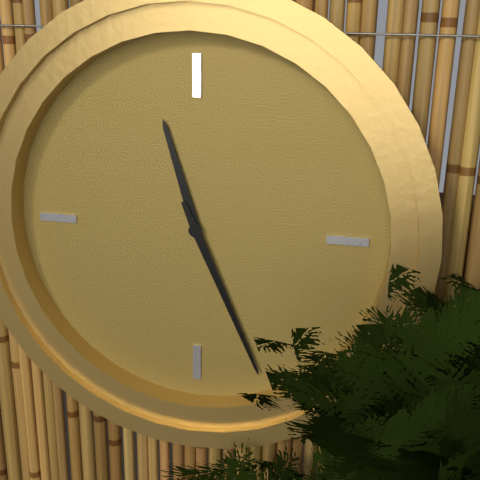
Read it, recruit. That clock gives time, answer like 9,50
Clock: 11,26
